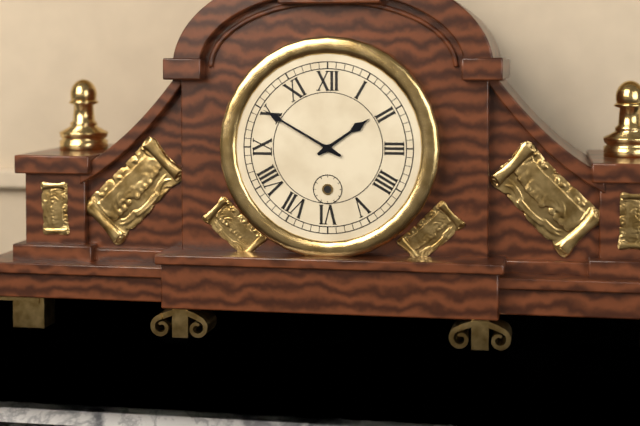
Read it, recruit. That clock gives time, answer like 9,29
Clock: 1,50
